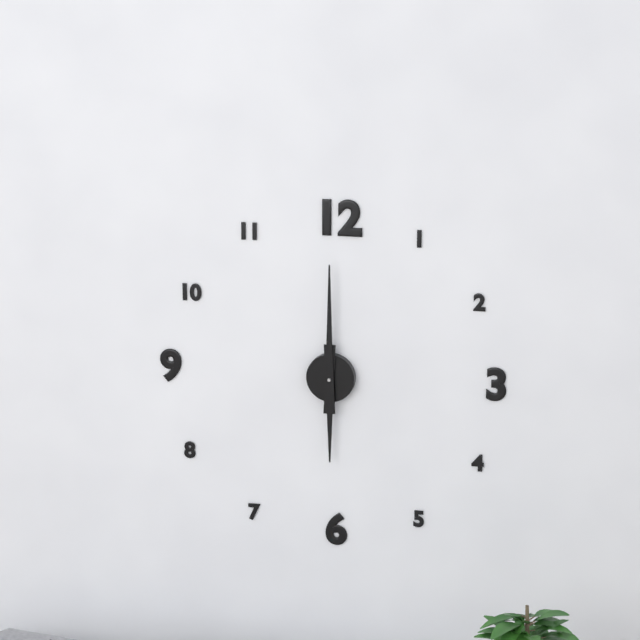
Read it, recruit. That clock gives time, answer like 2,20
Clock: 6,00
